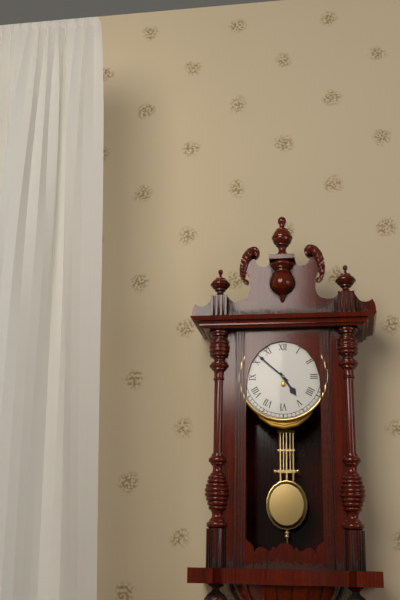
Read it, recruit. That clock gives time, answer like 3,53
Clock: 4,52
